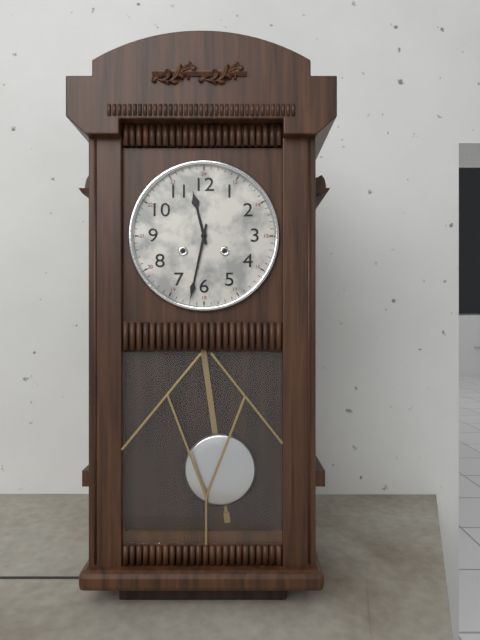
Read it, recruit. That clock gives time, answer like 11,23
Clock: 11,32
